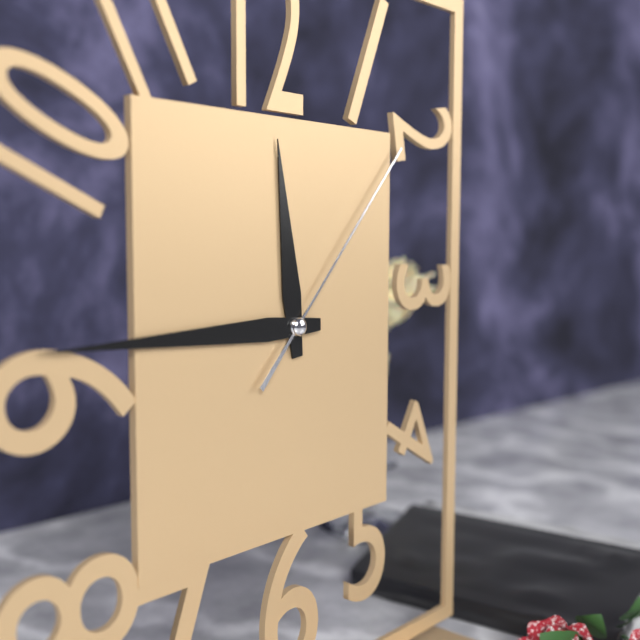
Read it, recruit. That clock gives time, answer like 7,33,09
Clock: 11,45,07
